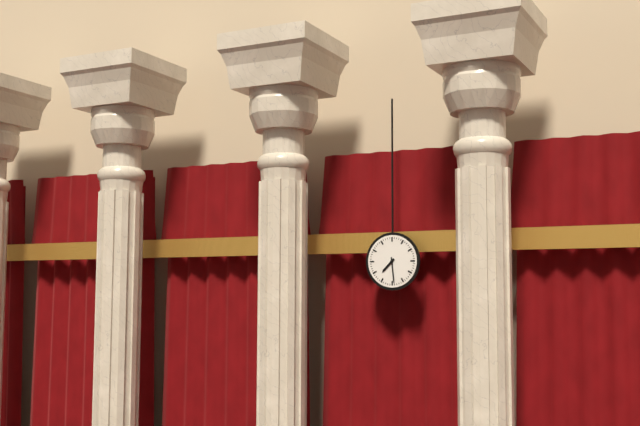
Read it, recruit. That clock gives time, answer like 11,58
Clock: 7,29
